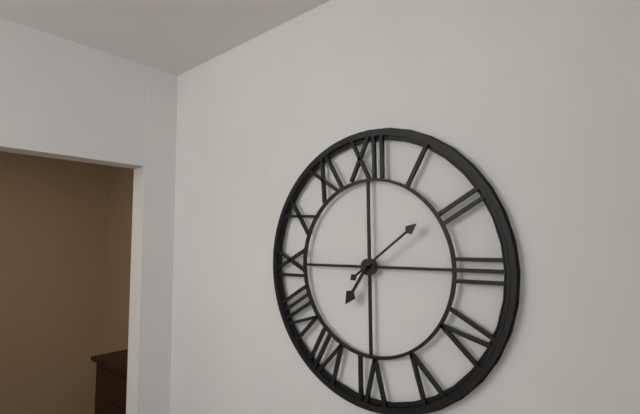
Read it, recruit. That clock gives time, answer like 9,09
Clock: 7,09
